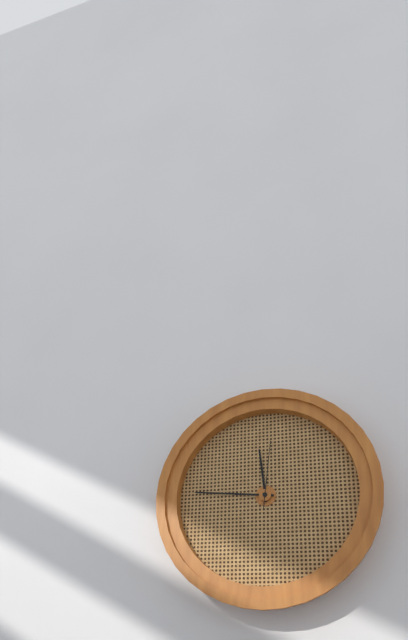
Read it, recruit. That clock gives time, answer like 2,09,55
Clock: 11,46,01
